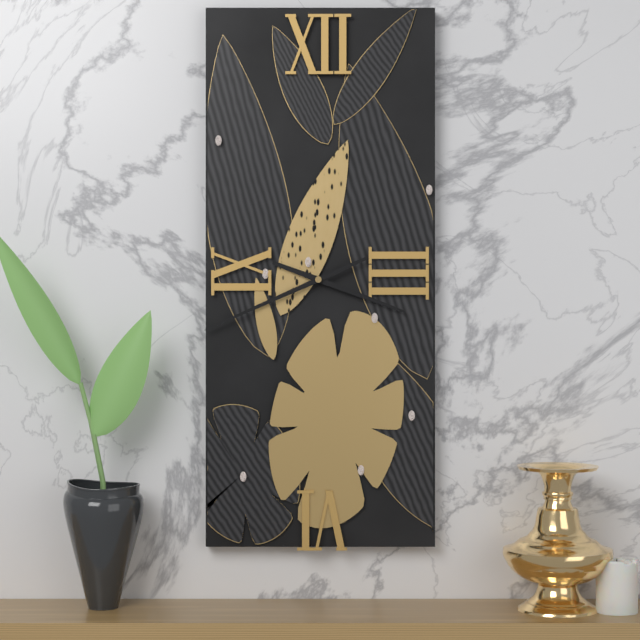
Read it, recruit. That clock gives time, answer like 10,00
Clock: 3,41
